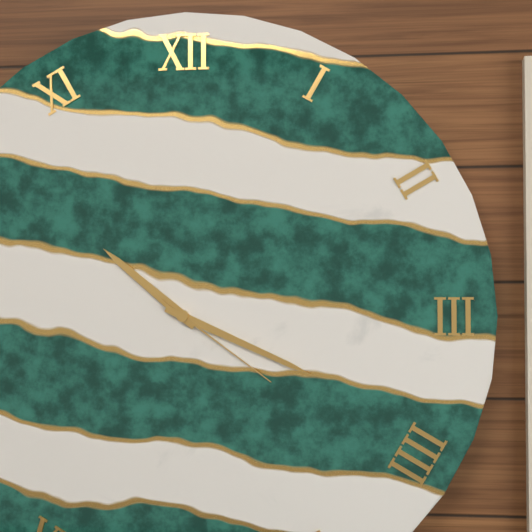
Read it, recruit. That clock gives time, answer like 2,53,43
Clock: 10,19,21
